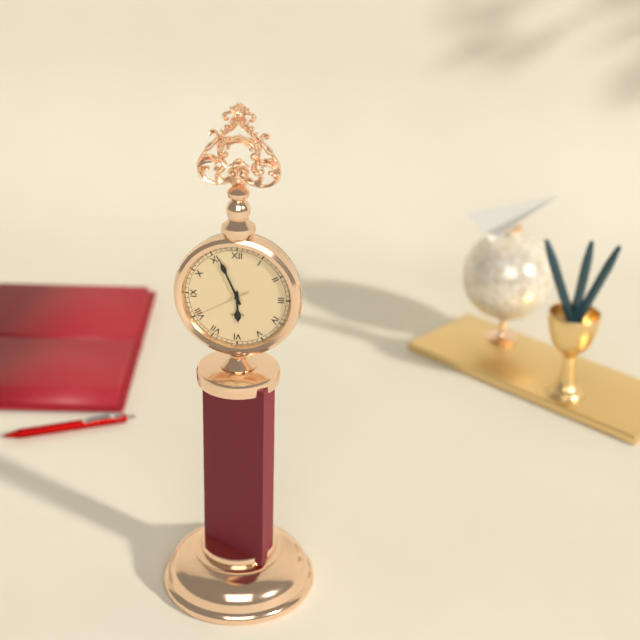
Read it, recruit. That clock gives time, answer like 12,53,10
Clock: 5,56,40
